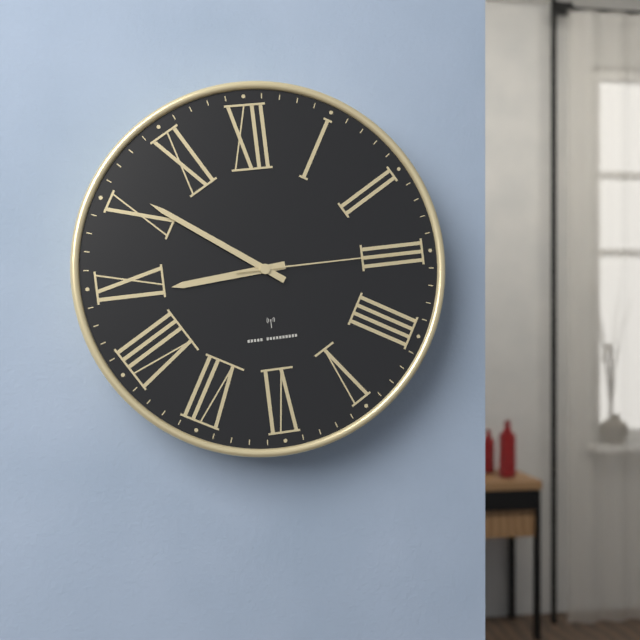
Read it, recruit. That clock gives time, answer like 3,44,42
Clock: 8,51,15
